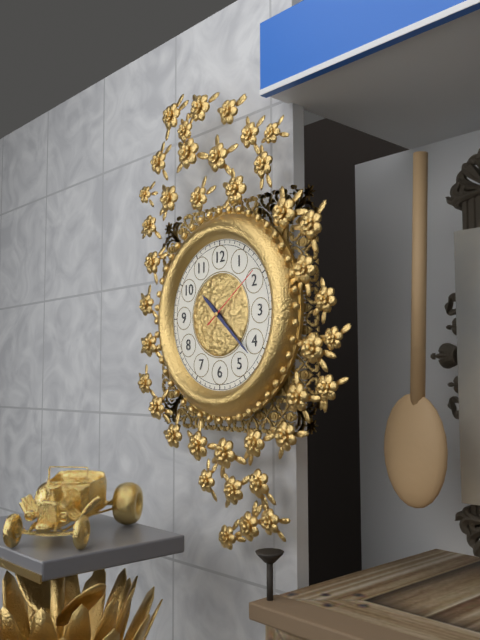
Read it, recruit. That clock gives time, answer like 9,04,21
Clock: 10,22,09
